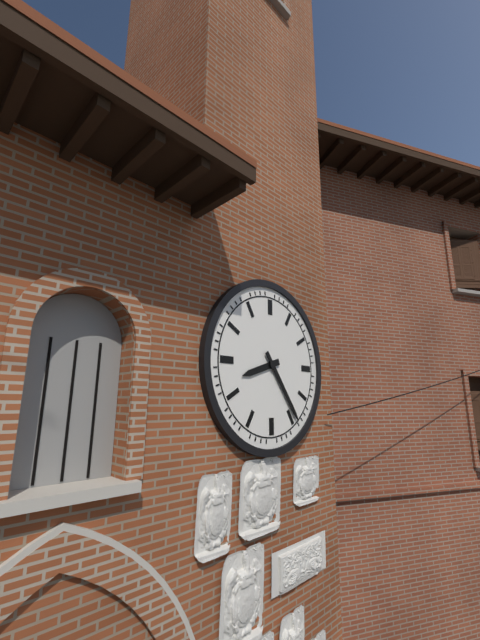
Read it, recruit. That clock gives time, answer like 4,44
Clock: 8,24
